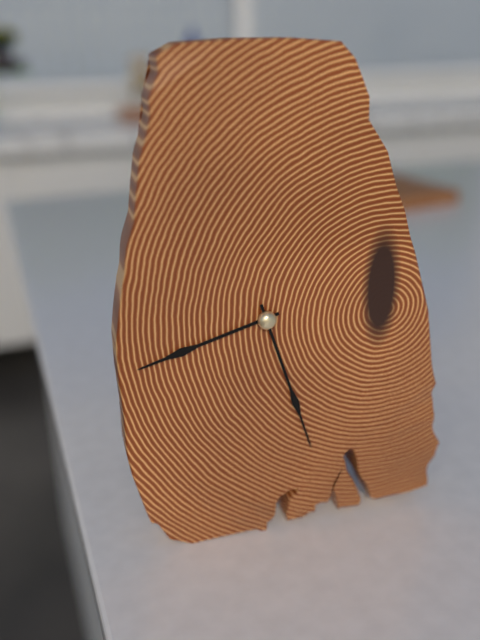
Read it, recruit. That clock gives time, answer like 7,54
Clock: 8,27
